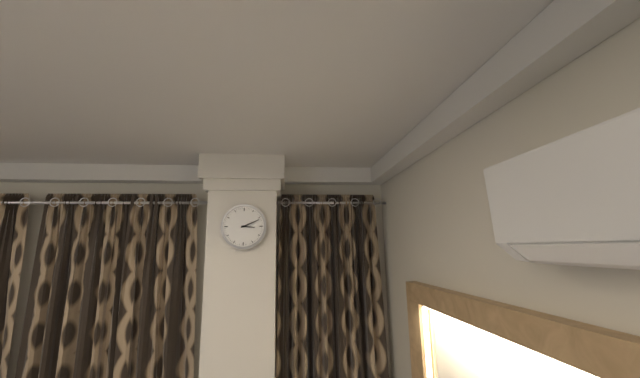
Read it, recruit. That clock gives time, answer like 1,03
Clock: 3,11
